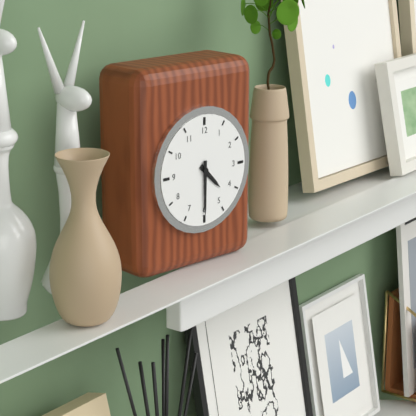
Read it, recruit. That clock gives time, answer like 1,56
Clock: 4,30
